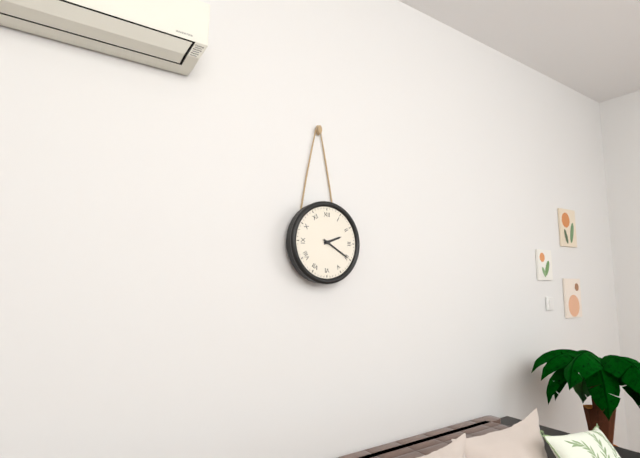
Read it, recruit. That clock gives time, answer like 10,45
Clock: 2,20
